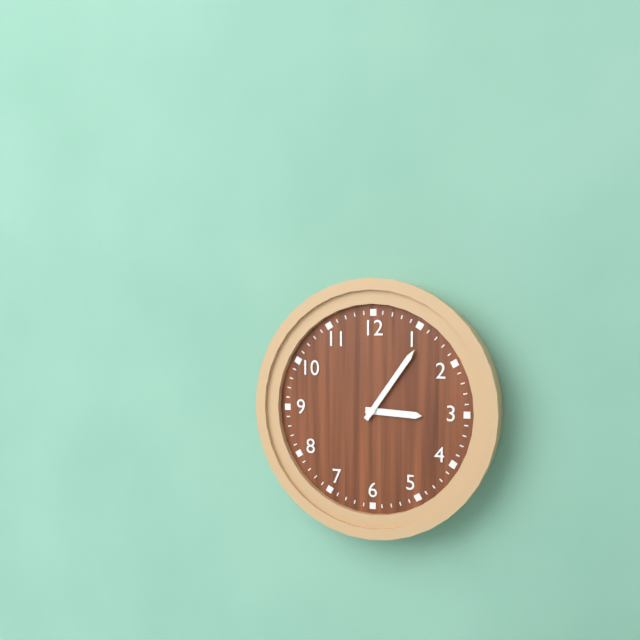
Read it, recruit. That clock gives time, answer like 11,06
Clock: 3,06
